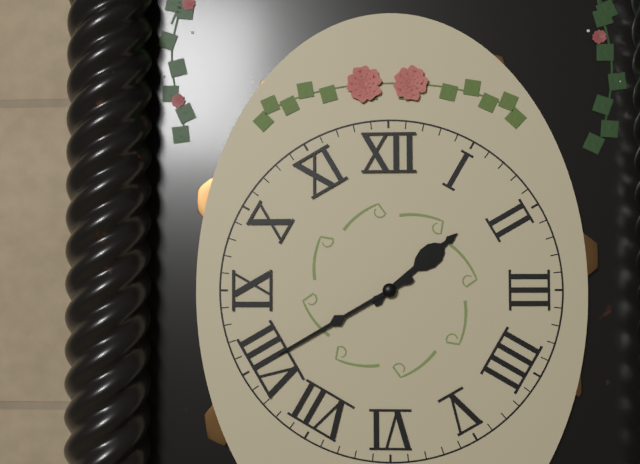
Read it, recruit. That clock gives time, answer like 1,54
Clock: 1,40
